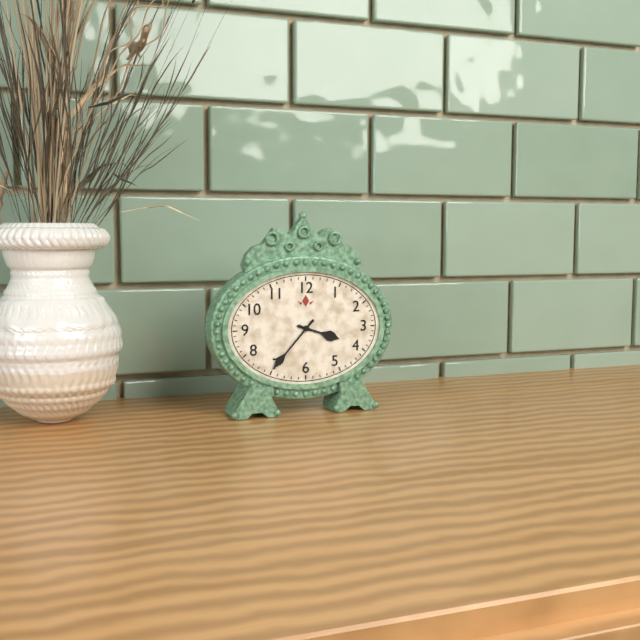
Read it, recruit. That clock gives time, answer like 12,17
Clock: 3,37
